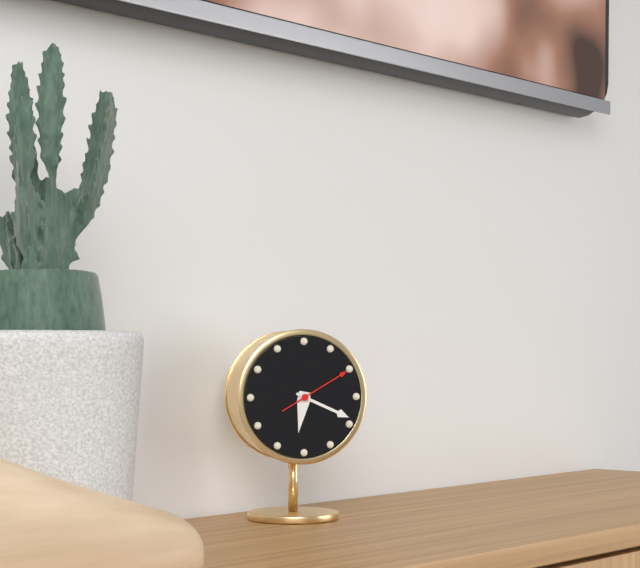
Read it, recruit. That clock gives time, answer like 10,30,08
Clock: 6,19,10
